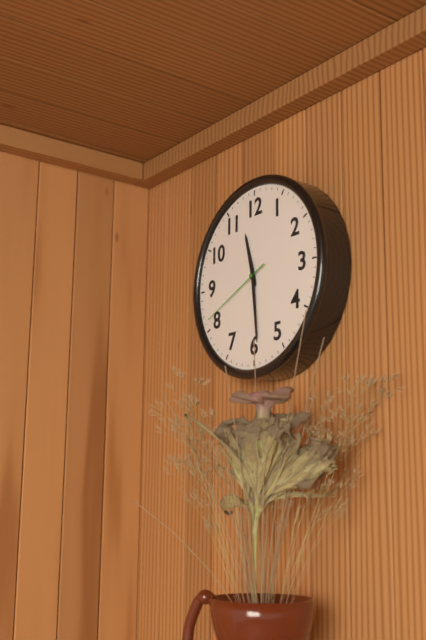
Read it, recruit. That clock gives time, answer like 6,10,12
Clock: 11,29,41
